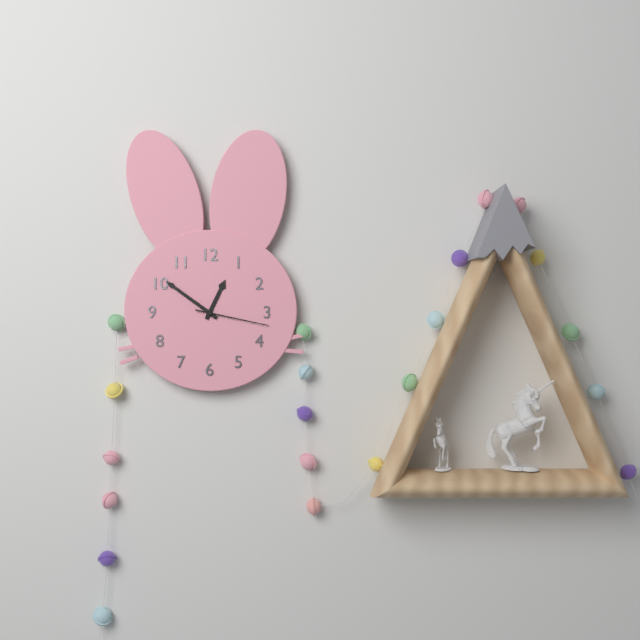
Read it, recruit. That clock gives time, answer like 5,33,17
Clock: 12,51,17
